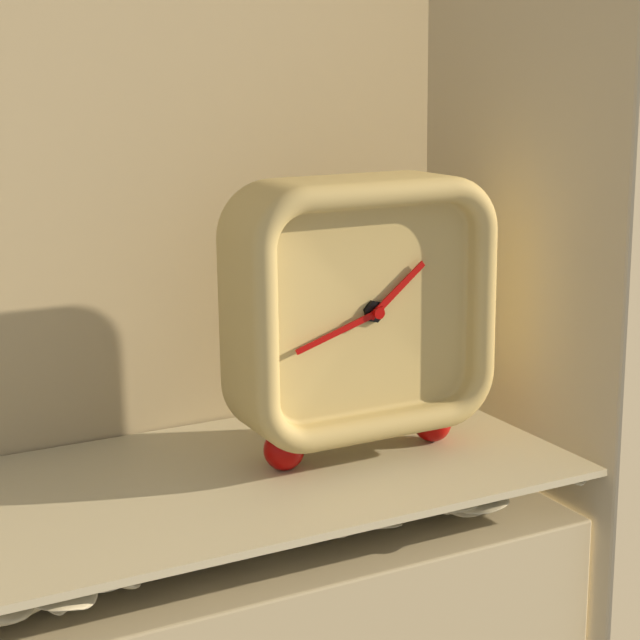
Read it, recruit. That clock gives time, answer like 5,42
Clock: 1,42
